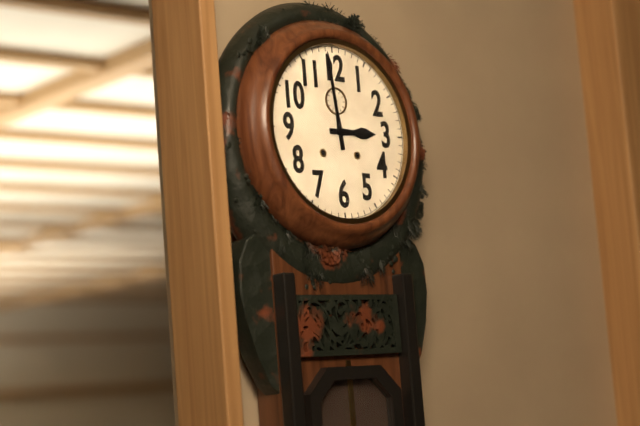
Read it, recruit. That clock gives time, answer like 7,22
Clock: 2,59
